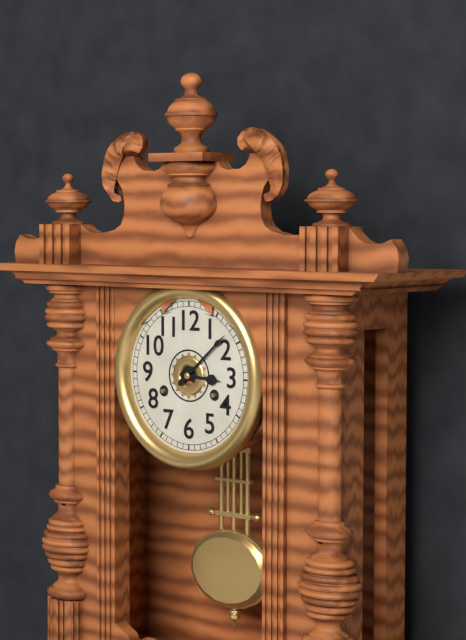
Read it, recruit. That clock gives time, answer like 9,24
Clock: 3,08
